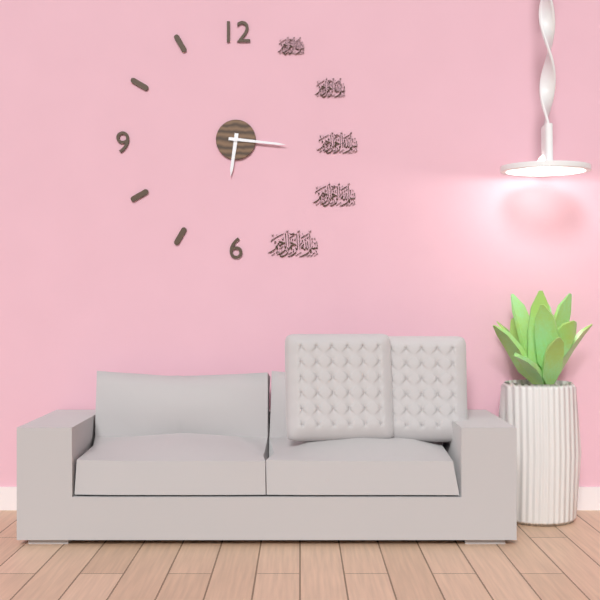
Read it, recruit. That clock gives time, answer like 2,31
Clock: 6,16
